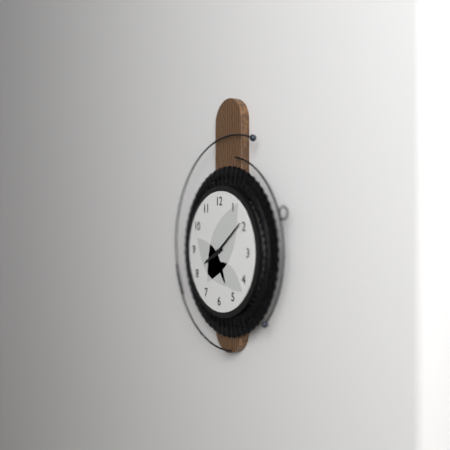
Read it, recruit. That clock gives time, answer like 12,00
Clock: 8,09
